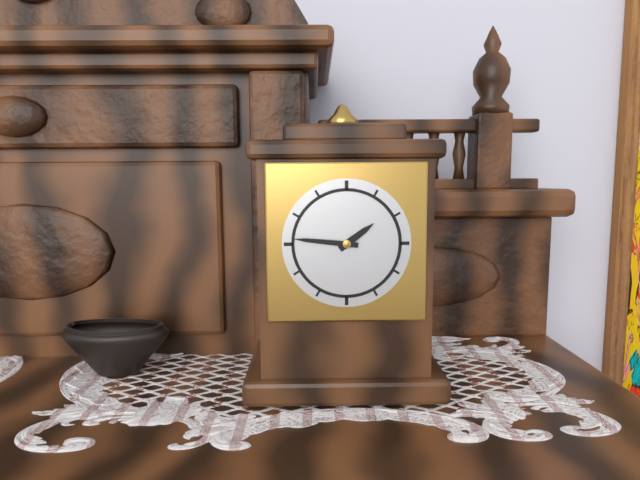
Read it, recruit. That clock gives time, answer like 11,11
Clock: 1,46
